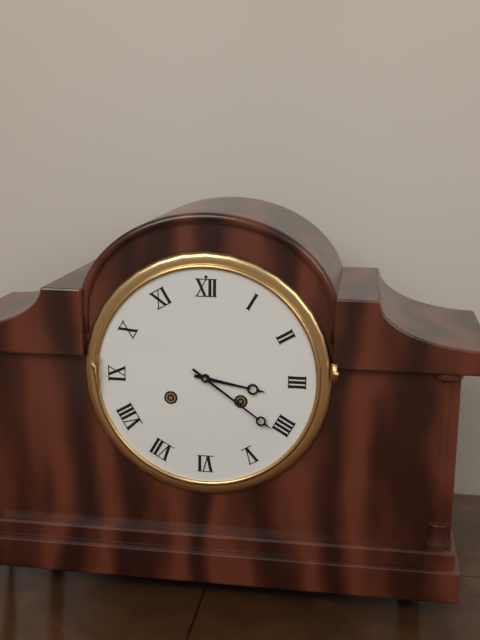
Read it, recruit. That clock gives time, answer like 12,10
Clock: 3,21
